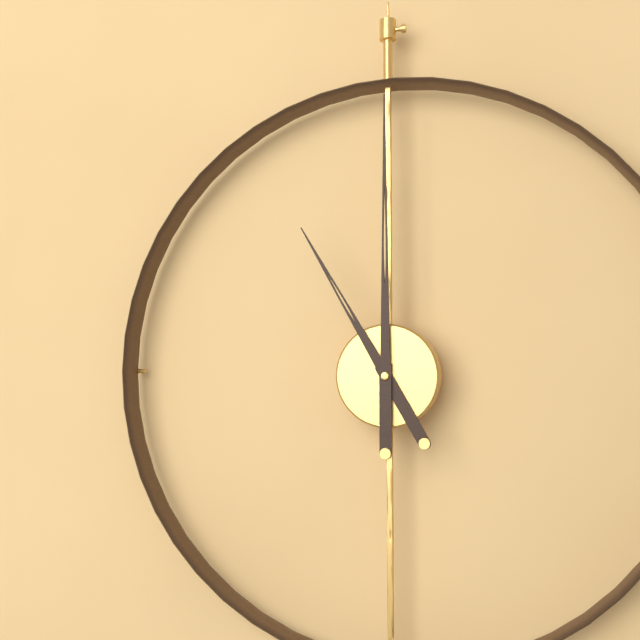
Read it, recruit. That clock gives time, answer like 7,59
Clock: 11,00
